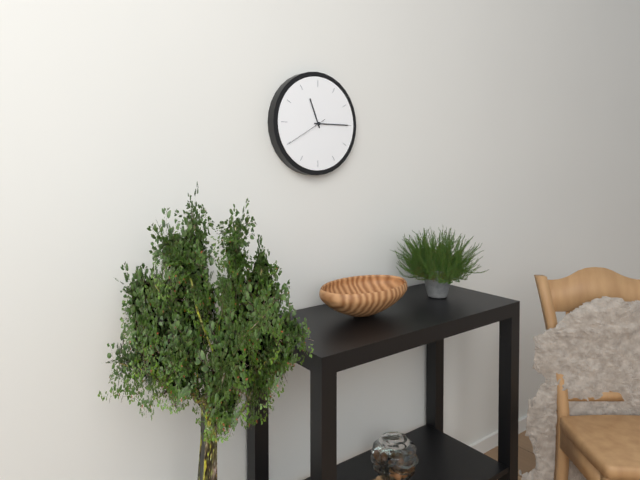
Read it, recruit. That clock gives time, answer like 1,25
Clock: 11,15
